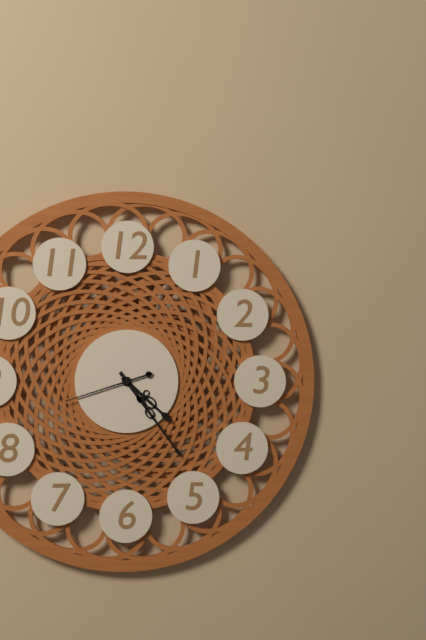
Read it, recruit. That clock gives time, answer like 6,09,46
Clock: 4,24,42
